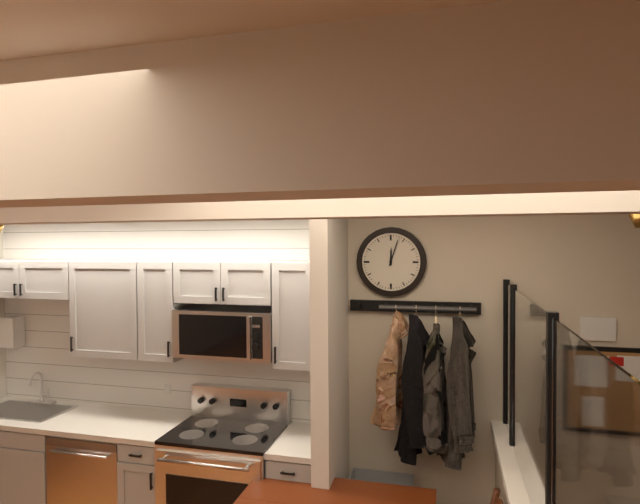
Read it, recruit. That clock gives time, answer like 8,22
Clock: 12,03
